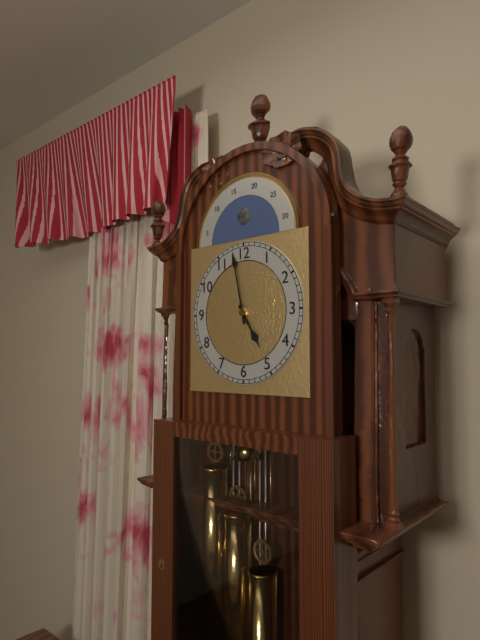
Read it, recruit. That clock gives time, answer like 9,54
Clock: 4,58
